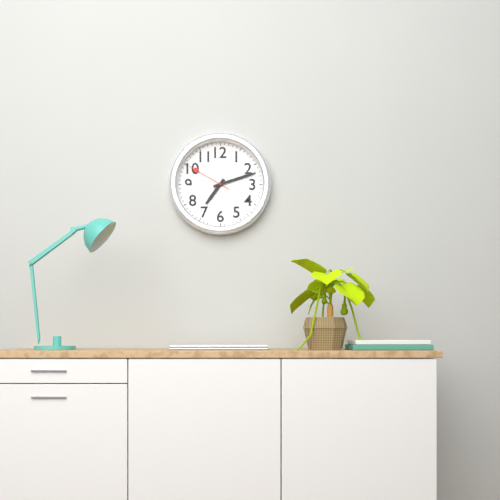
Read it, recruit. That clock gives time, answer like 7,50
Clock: 7,12
